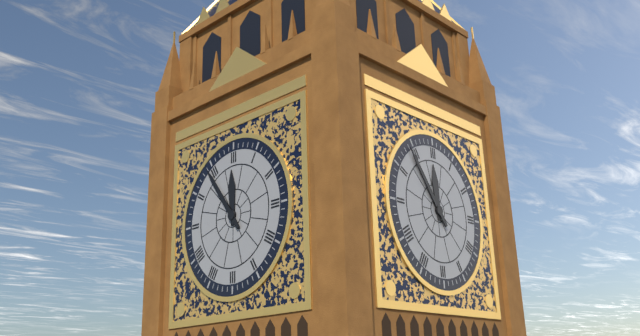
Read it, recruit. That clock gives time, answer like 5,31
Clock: 11,54
